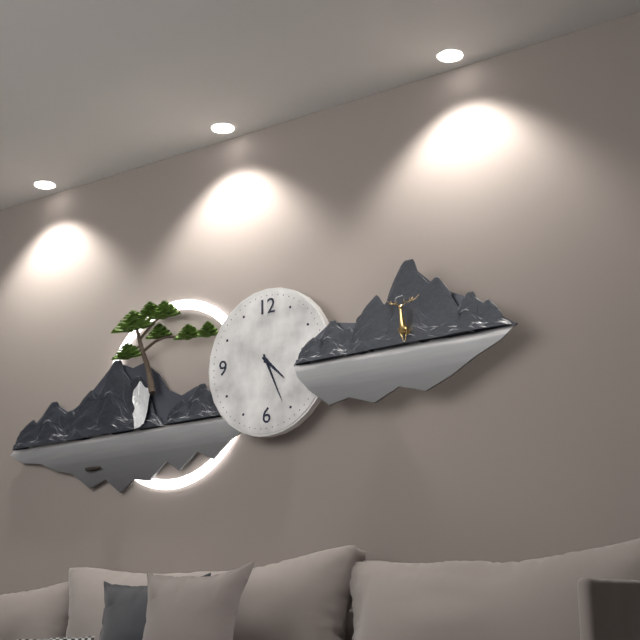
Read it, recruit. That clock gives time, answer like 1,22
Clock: 4,26
